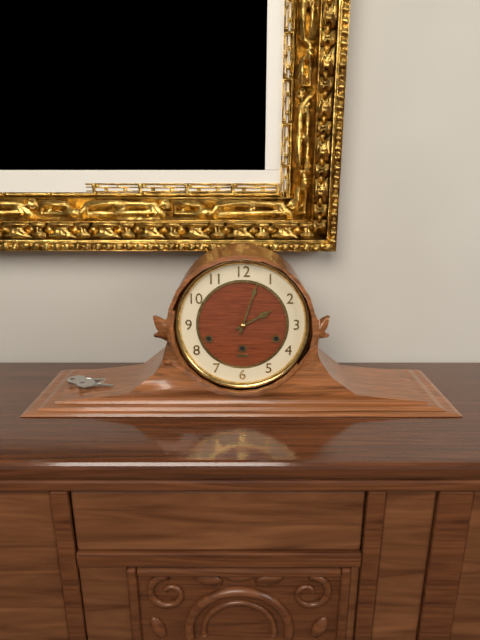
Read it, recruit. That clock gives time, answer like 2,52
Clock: 2,03
